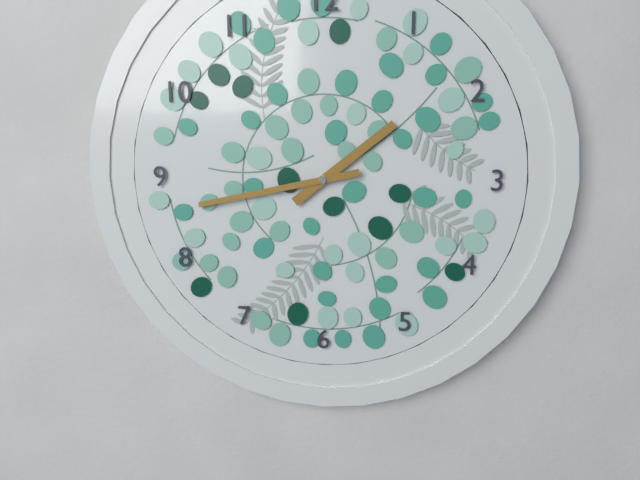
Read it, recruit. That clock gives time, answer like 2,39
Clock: 1,43
